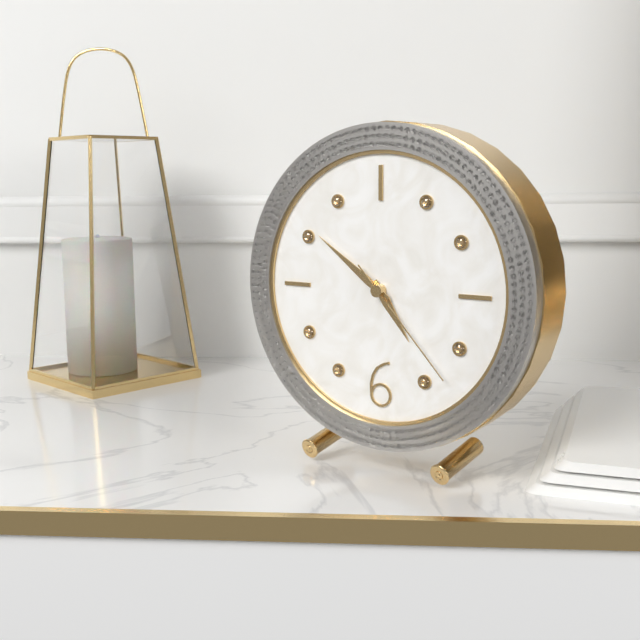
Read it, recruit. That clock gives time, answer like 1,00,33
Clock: 4,51,23
